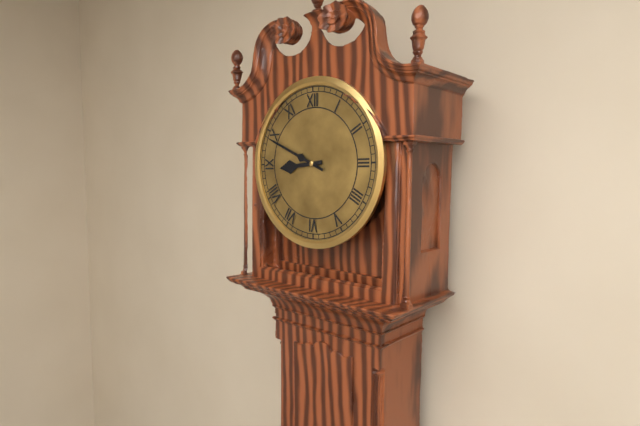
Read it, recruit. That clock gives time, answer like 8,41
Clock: 8,49
